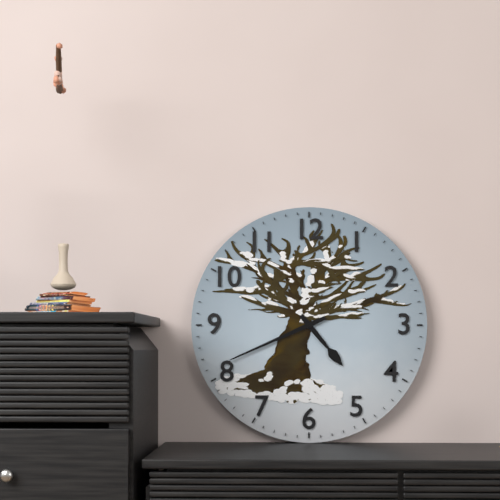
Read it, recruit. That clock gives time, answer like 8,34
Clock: 4,41
